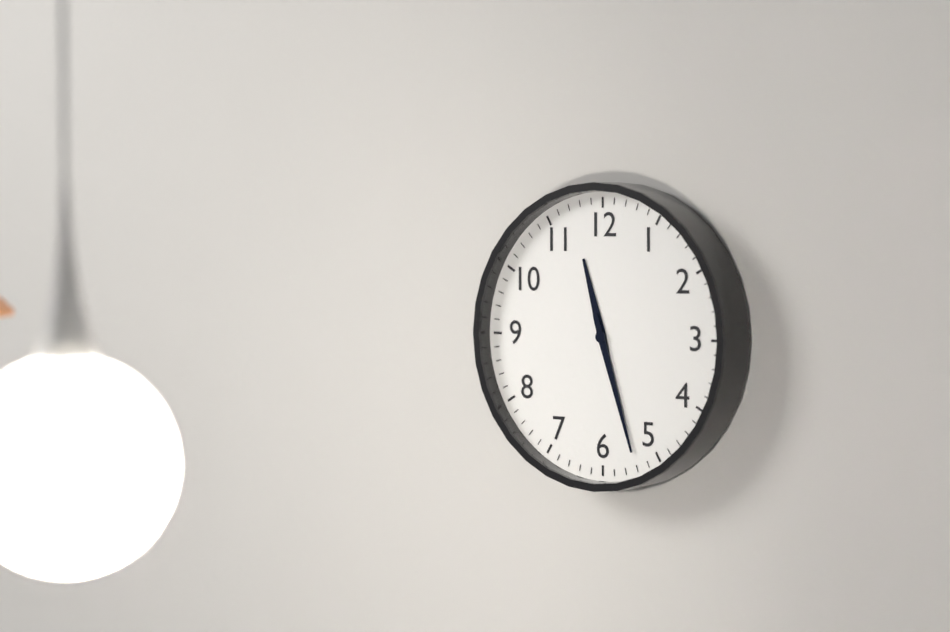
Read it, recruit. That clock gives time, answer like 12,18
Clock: 11,27
